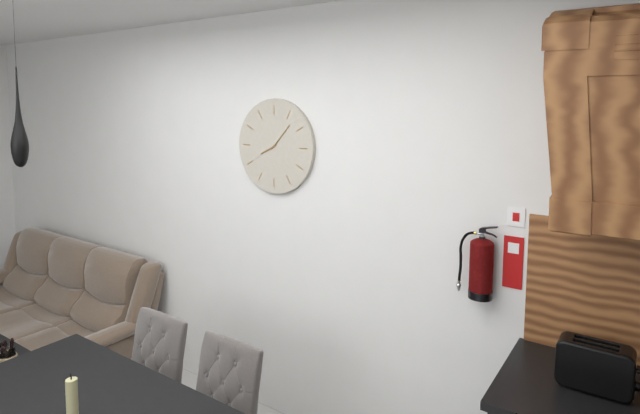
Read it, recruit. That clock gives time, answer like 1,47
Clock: 8,07
